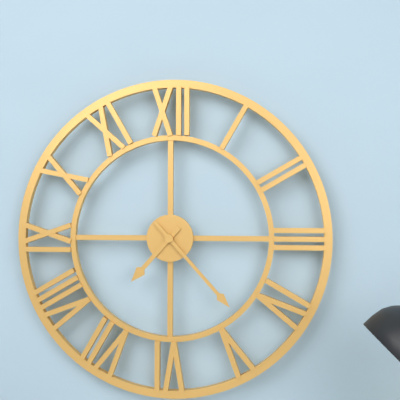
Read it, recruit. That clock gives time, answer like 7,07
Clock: 7,23
